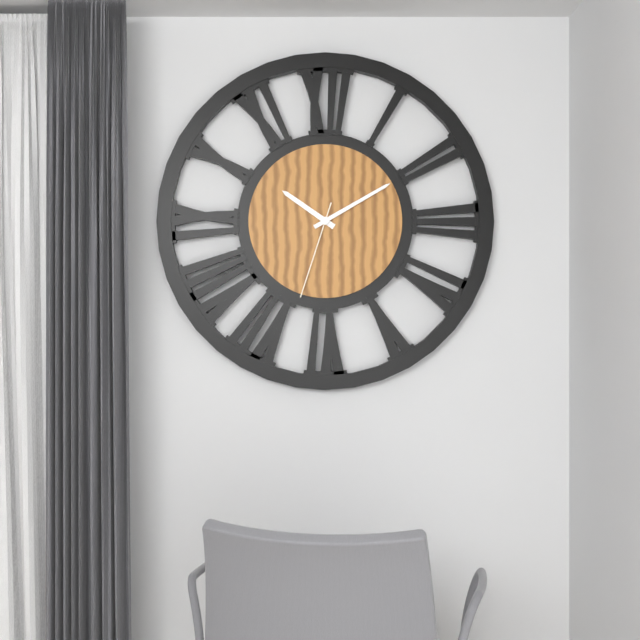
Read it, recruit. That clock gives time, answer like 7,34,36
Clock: 10,10,33
